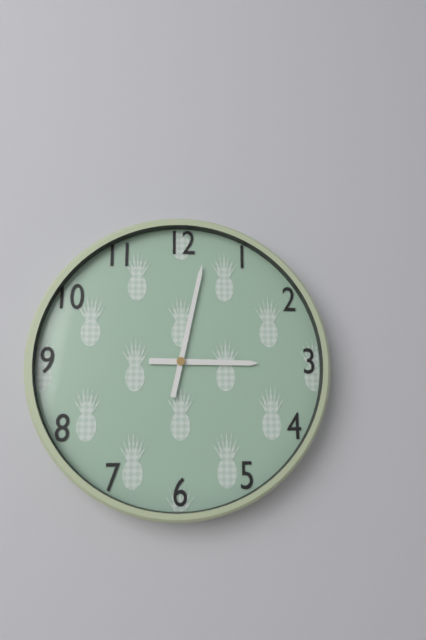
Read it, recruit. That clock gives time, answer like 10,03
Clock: 3,02
